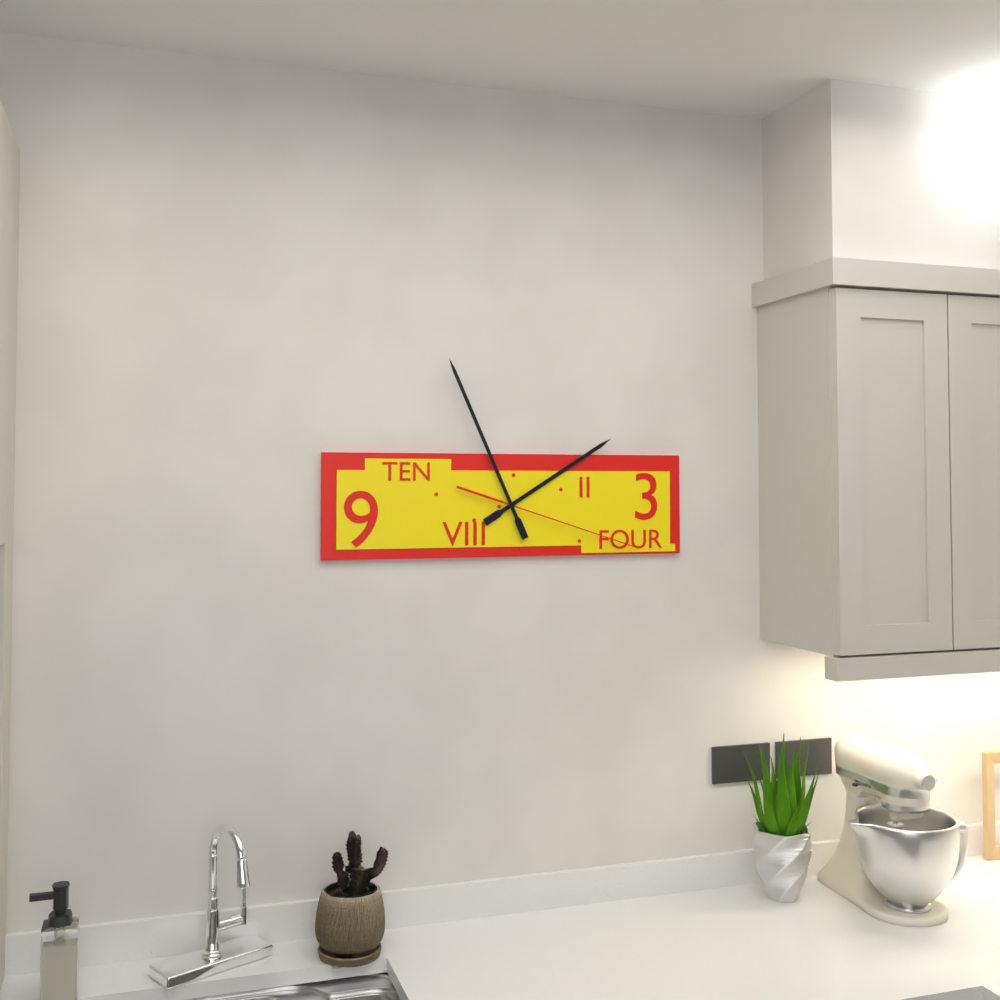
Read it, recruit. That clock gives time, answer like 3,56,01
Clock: 1,56,18
